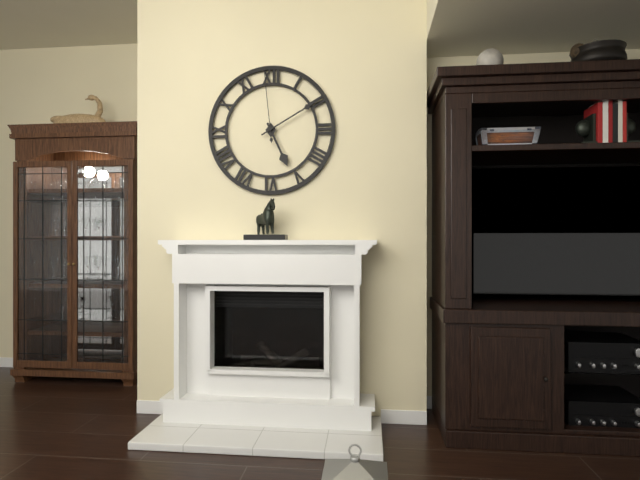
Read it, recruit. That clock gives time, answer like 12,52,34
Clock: 5,10,59
